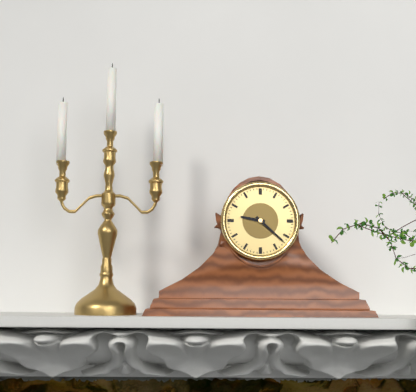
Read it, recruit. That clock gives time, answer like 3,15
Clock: 9,22
